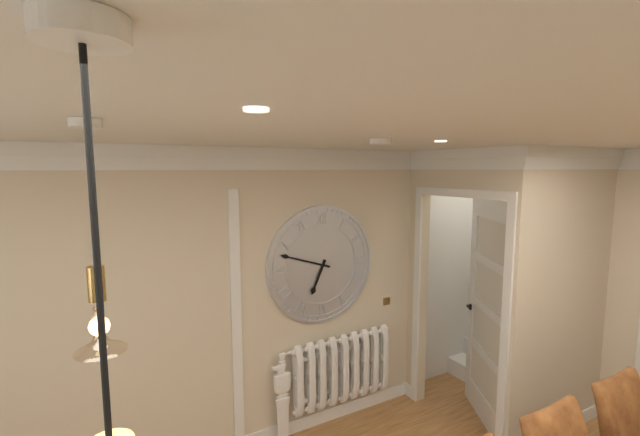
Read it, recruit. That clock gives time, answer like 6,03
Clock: 6,48
